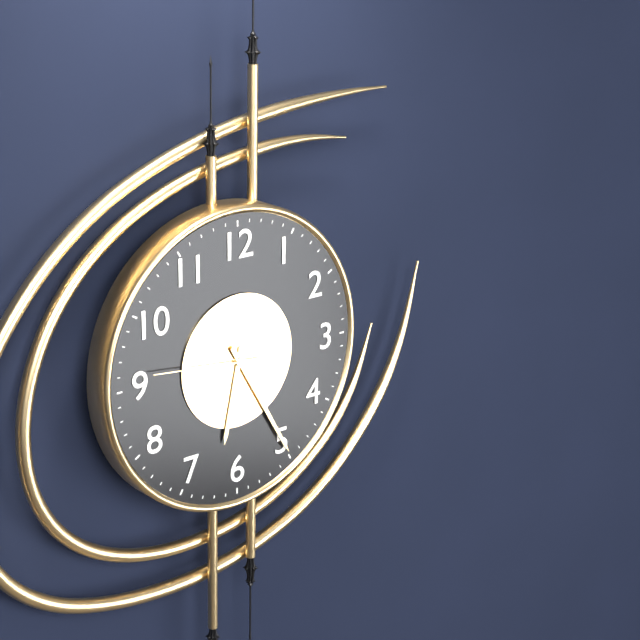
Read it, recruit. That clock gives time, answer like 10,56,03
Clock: 6,25,46
